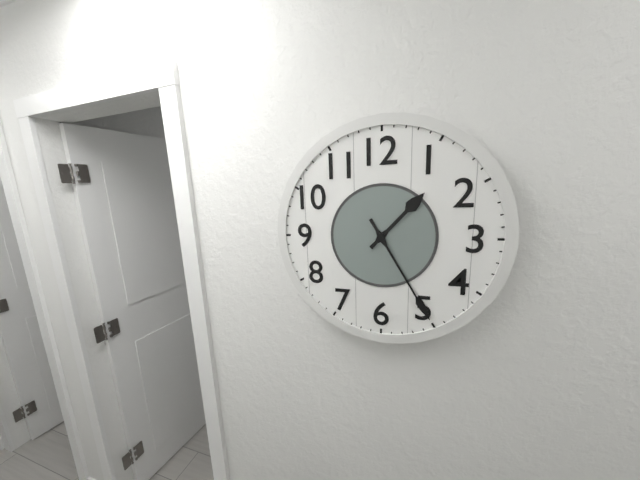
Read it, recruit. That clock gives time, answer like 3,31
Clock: 1,25
